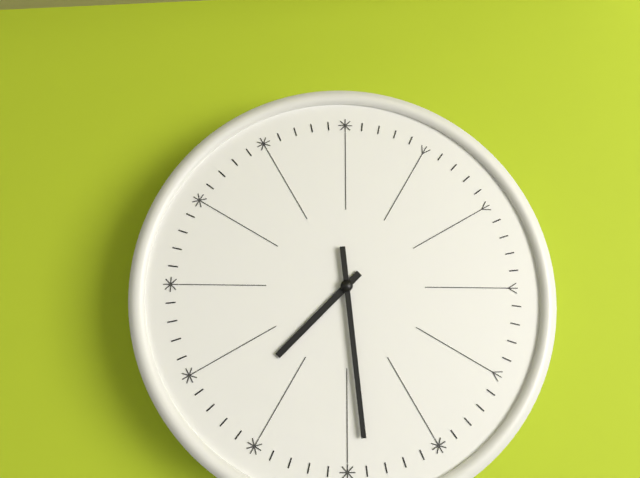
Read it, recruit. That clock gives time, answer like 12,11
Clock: 7,29
